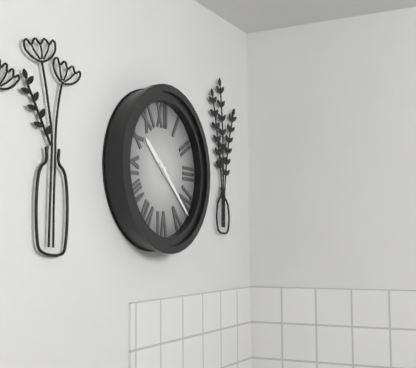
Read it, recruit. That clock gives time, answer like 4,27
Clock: 10,22
